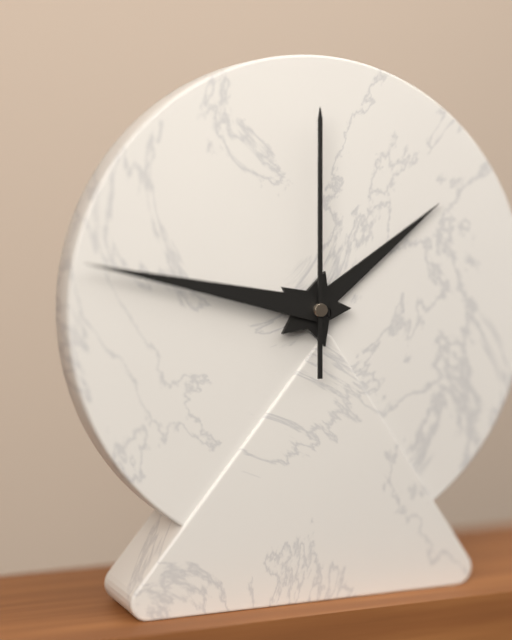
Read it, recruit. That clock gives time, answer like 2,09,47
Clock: 1,47,00
